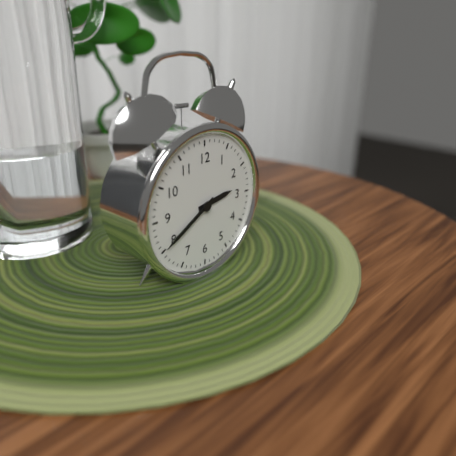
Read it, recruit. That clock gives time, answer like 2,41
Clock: 2,40
